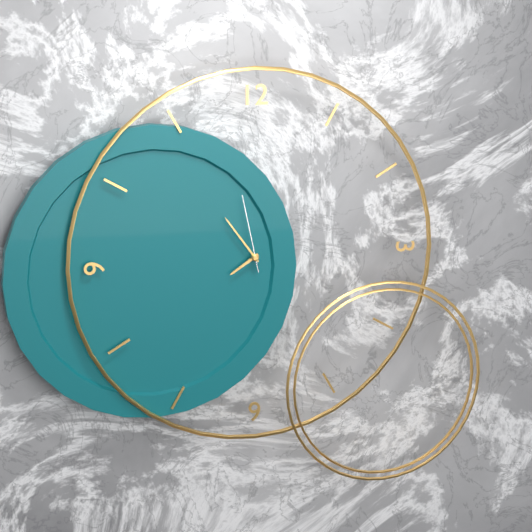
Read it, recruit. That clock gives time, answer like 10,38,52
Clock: 7,54,58
